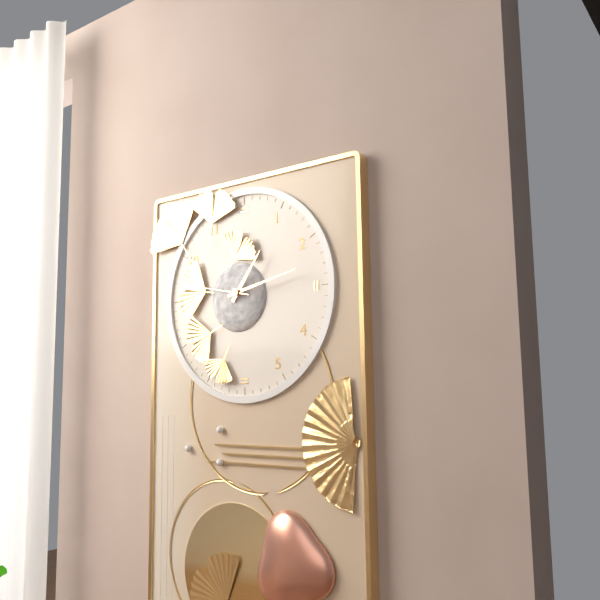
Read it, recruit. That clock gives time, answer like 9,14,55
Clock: 1,13,47
